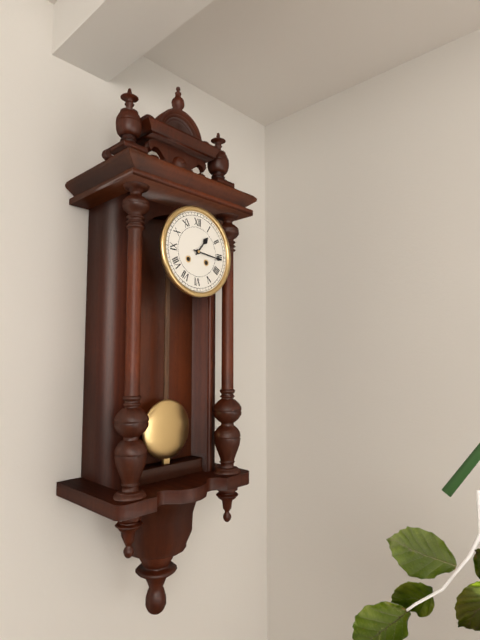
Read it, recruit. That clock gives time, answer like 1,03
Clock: 1,16
